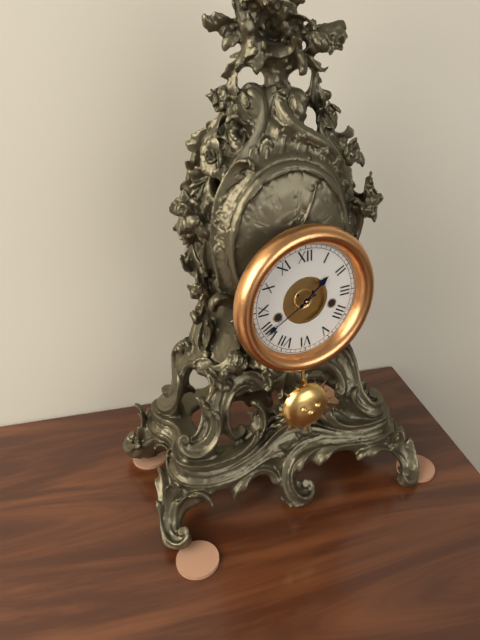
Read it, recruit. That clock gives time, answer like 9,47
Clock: 1,40
